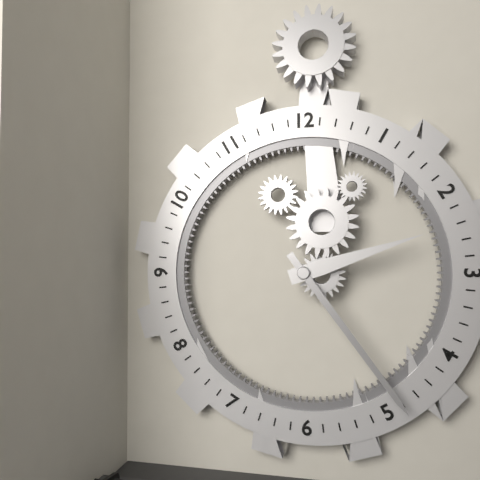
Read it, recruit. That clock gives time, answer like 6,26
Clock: 2,24
